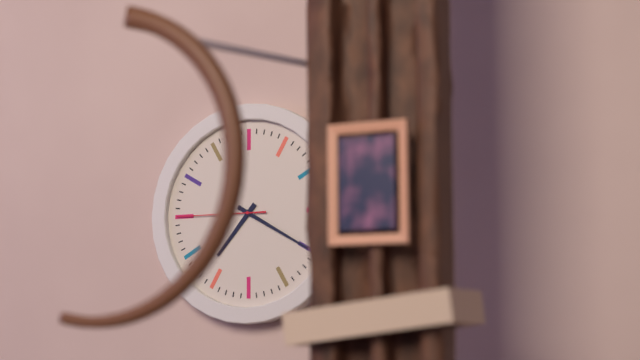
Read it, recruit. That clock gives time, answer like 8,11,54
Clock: 7,20,45
